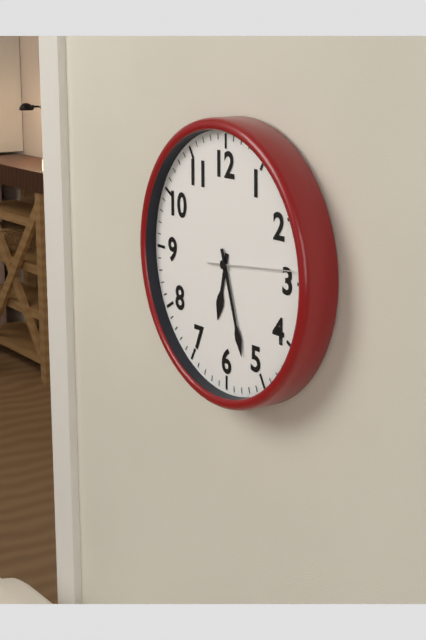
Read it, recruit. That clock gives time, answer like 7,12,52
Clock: 6,27,14
